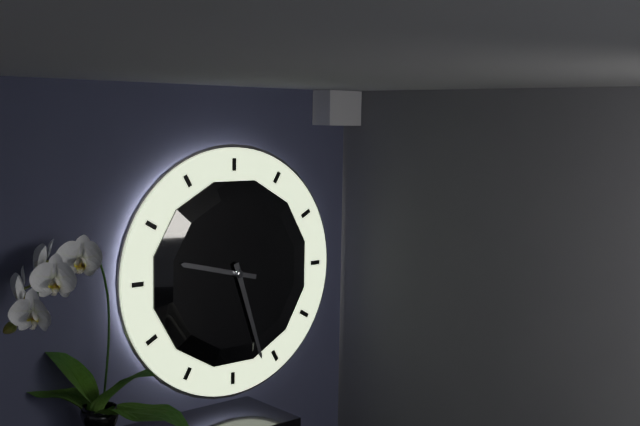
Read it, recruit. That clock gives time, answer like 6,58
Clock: 9,27
